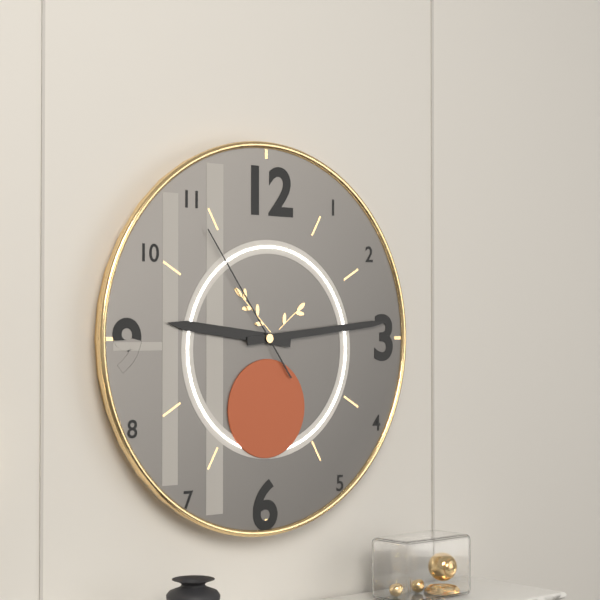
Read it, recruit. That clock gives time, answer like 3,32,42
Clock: 9,14,54
